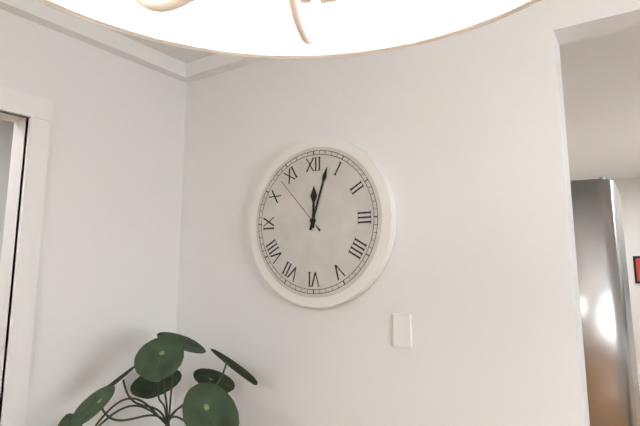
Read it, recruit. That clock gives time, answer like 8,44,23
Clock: 12,03,53
